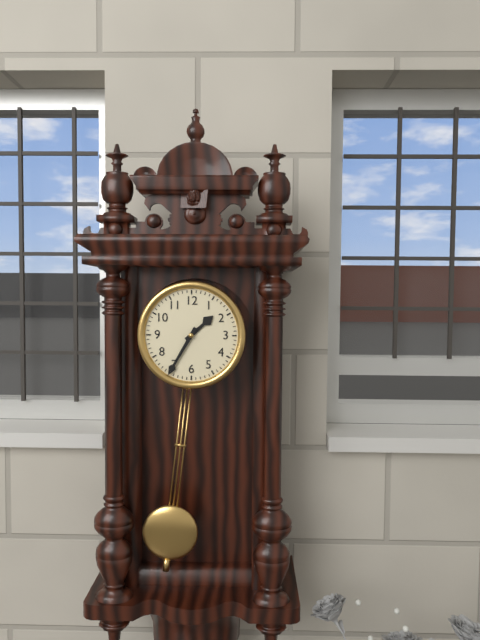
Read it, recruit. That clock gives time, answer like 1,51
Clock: 1,35
